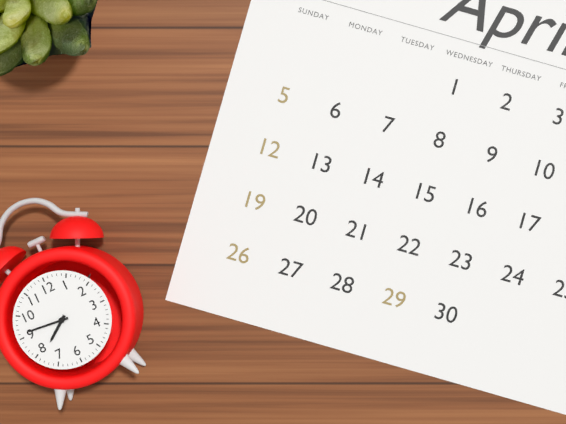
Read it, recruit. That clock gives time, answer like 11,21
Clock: 7,46
